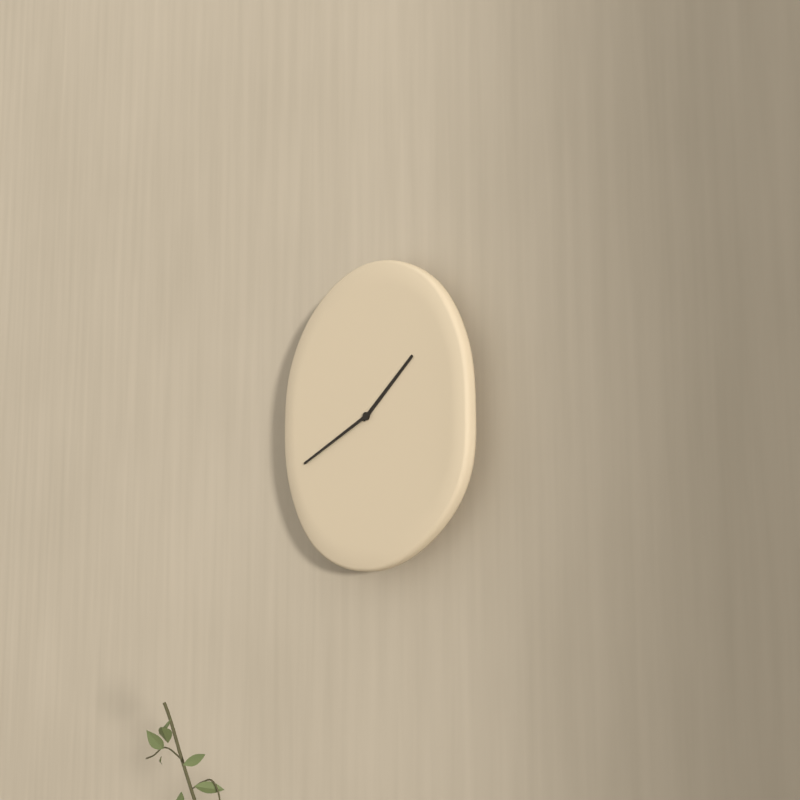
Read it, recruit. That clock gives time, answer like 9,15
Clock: 1,41
